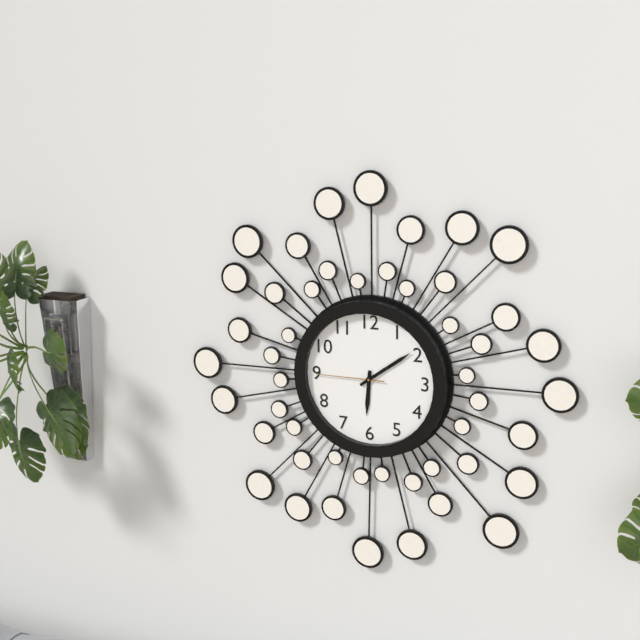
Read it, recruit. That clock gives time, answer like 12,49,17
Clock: 6,09,45
